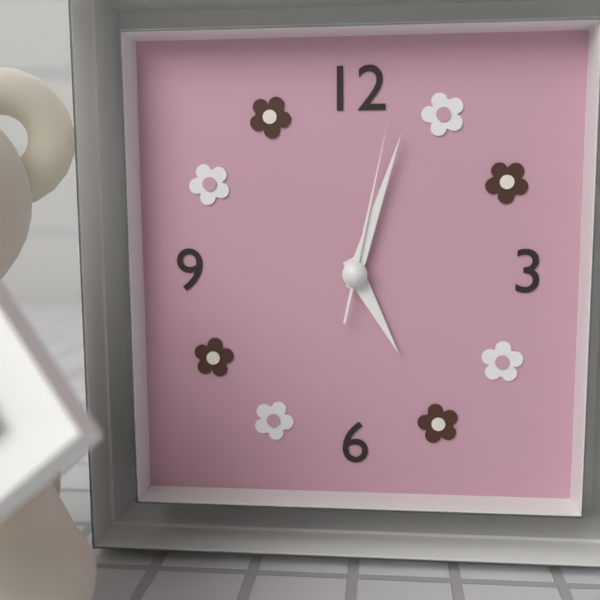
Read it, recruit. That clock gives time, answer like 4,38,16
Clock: 5,03,02
